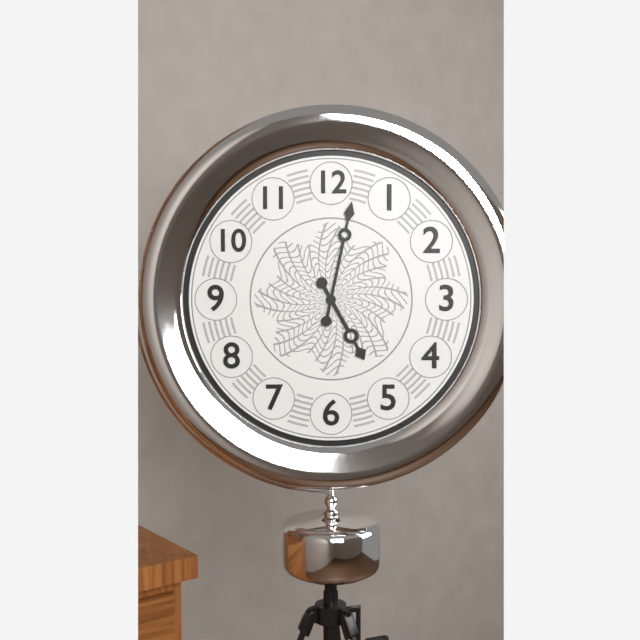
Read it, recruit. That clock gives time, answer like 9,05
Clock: 5,02
